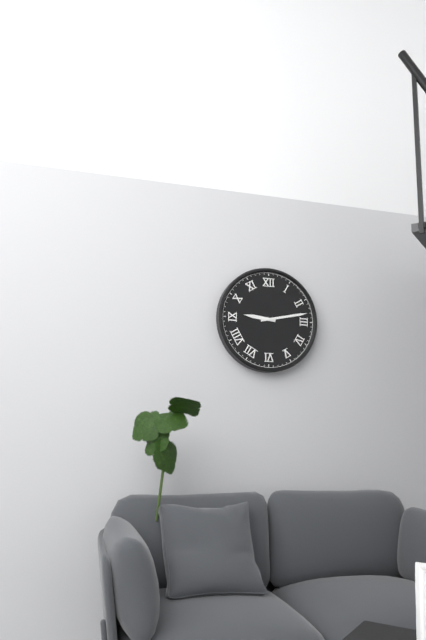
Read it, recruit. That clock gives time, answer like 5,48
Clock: 9,13
